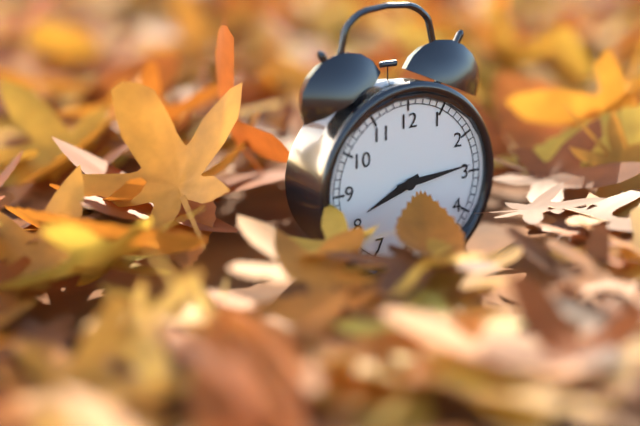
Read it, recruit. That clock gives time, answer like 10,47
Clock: 8,14
